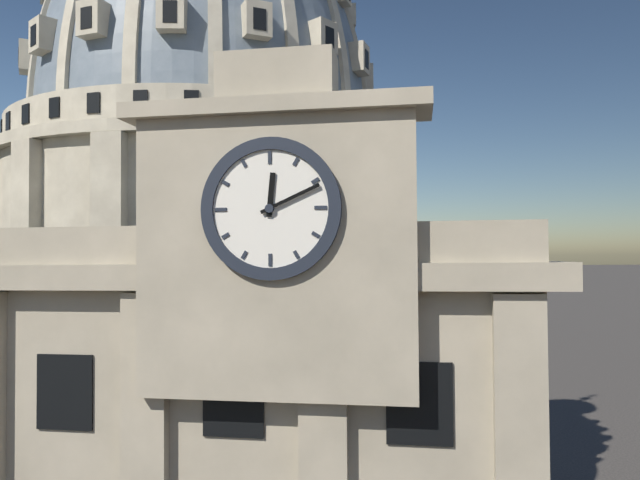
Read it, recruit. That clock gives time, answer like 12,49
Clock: 12,11
